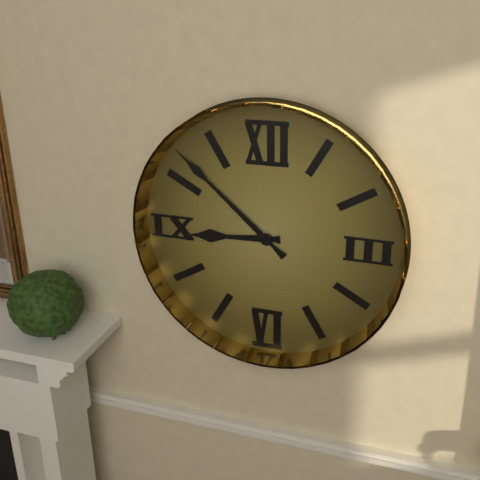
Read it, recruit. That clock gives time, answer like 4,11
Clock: 8,52
